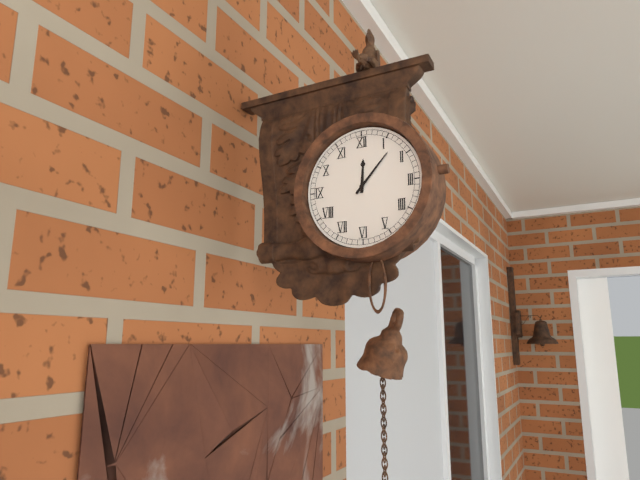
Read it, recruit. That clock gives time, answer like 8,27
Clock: 12,07
